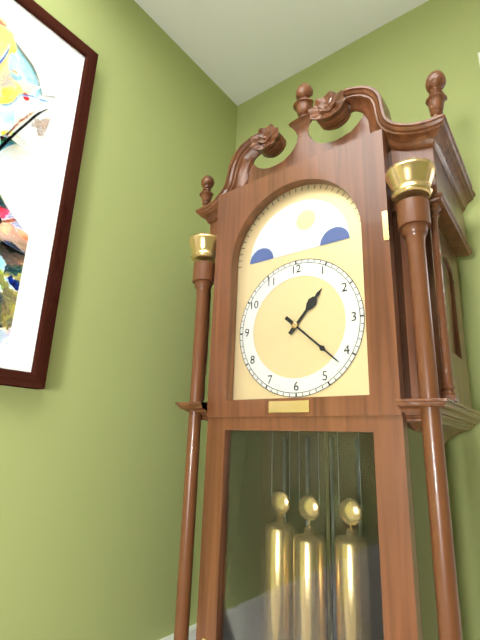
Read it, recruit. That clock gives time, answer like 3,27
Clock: 1,22
